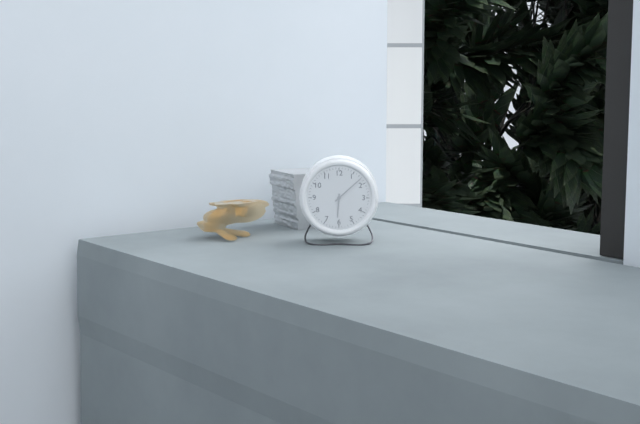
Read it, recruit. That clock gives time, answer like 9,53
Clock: 6,08
